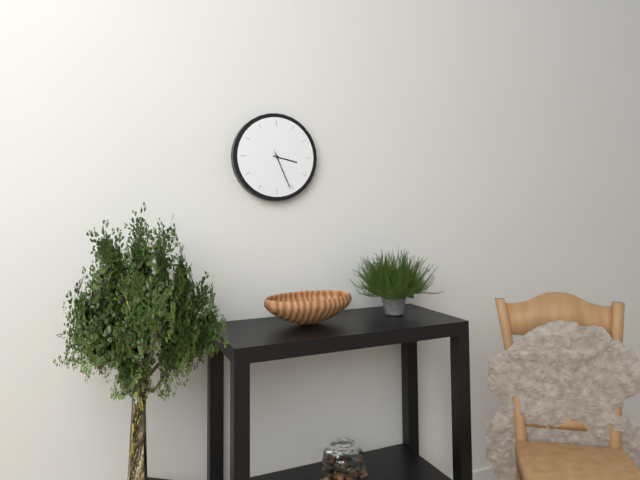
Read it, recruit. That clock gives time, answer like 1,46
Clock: 3,26
